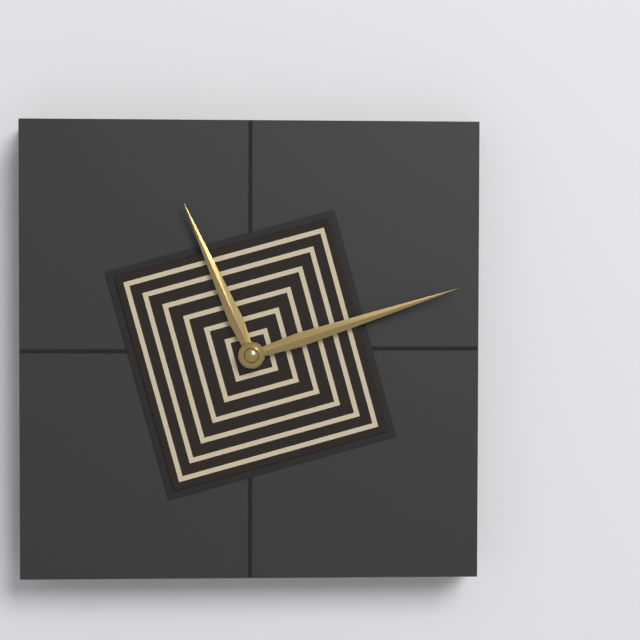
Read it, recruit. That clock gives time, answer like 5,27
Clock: 11,12
